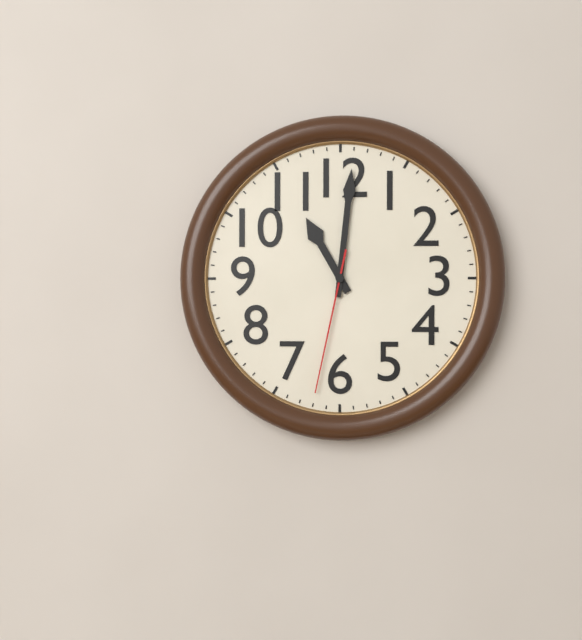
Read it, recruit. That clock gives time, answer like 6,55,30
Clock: 11,01,32
